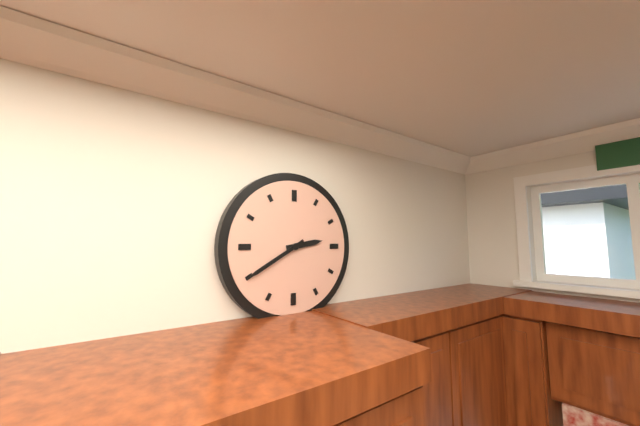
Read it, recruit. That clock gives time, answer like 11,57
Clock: 2,40
